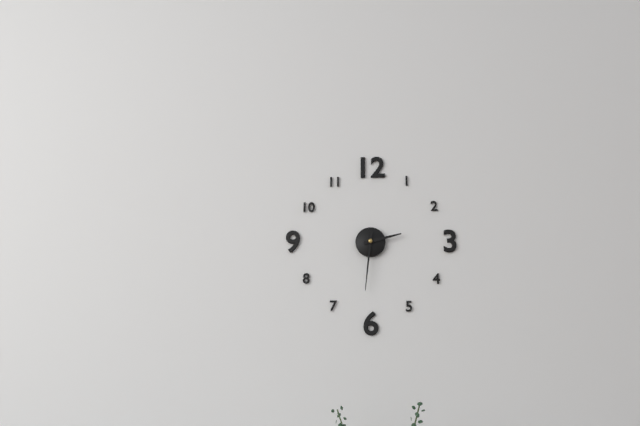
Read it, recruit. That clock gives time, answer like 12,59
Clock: 2,31
